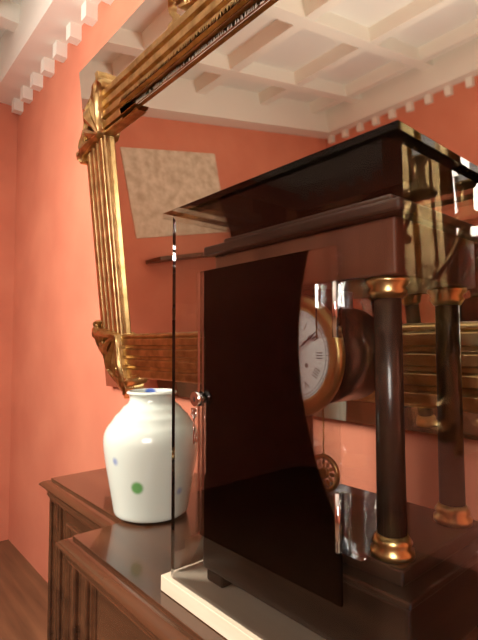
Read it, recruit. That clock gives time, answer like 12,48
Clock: 6,09
